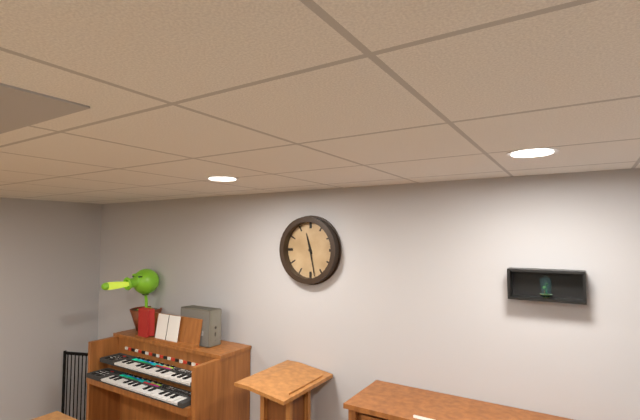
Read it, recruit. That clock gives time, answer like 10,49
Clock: 11,28
